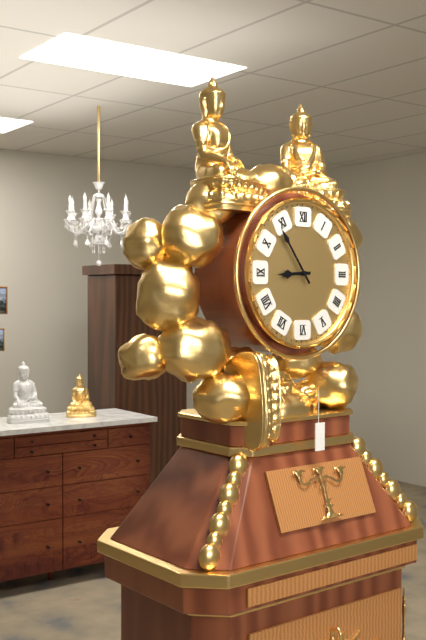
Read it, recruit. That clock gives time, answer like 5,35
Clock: 8,54
